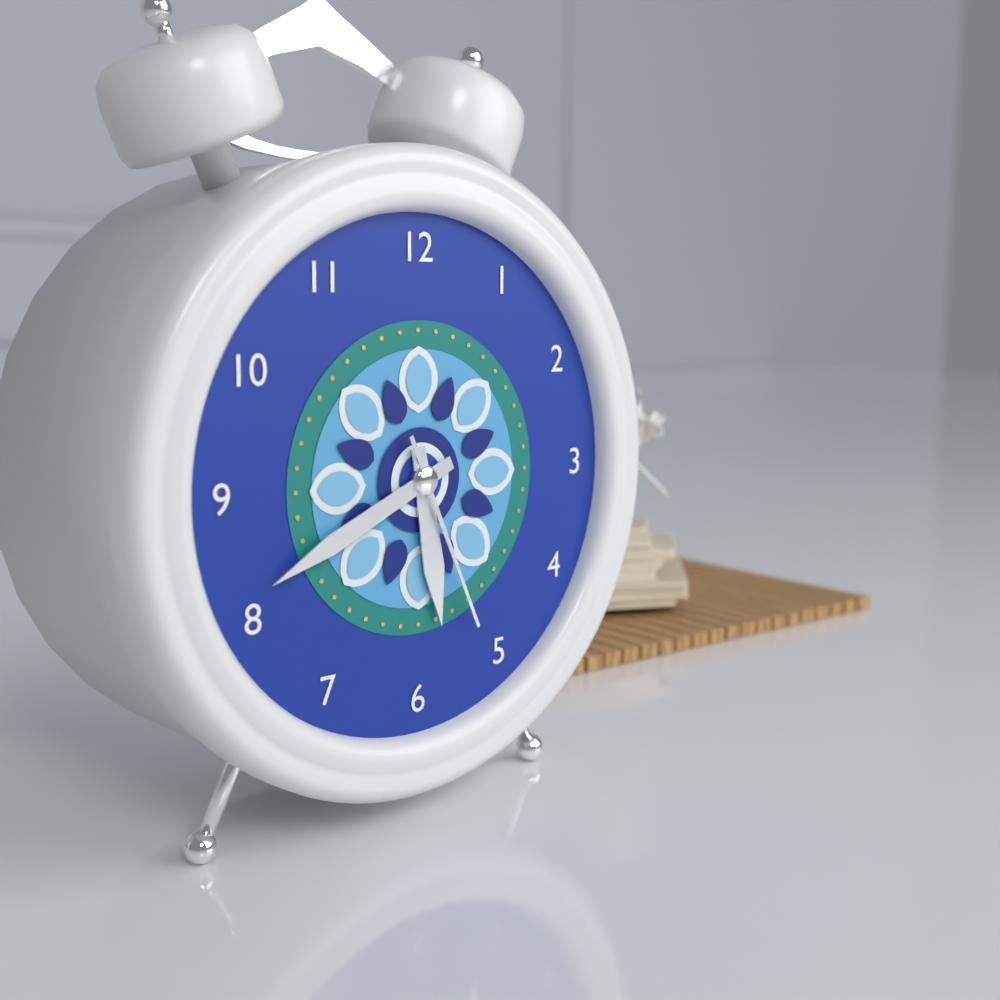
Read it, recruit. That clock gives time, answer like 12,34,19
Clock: 5,41,26
